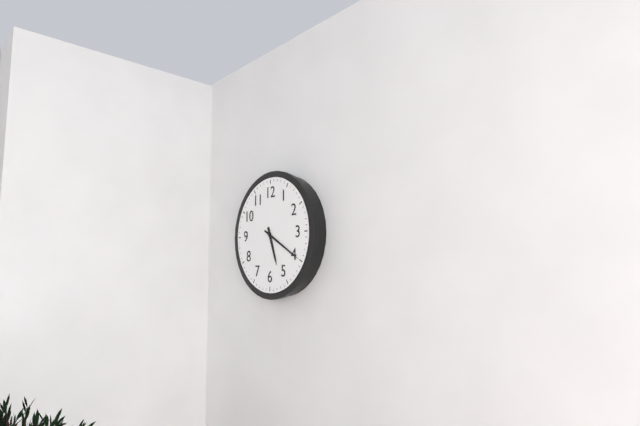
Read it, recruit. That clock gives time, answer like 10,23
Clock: 5,20
